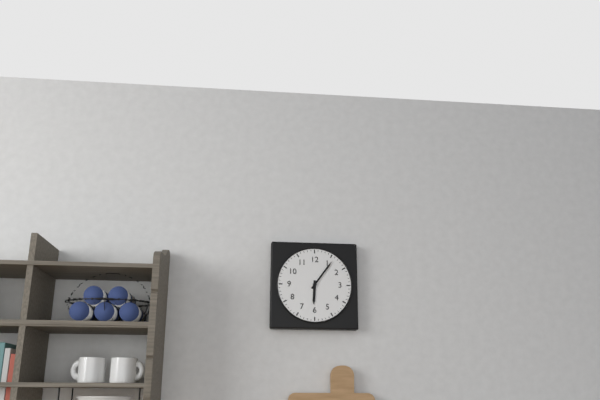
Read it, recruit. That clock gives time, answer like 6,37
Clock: 6,06
